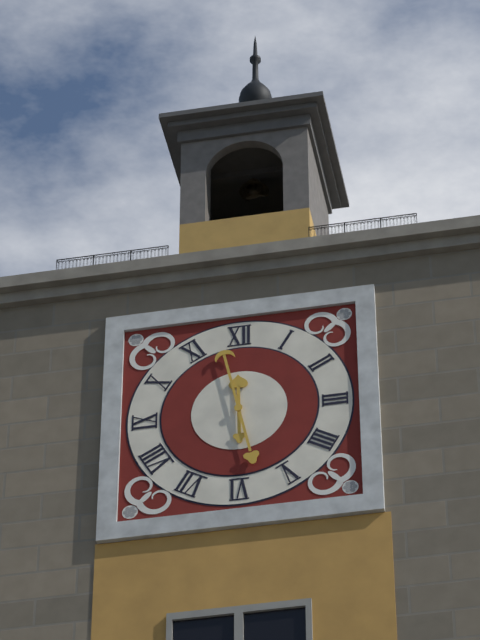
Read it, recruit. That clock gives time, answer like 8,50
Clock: 11,58
